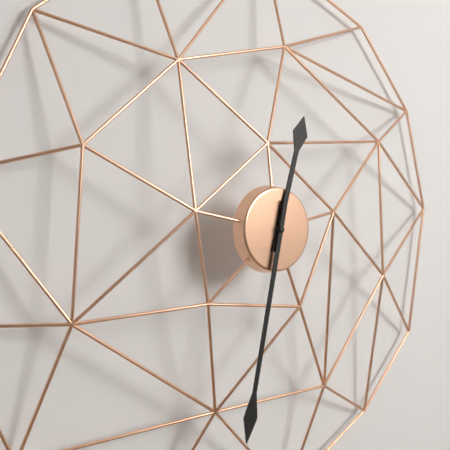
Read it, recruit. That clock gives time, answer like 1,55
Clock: 12,32
